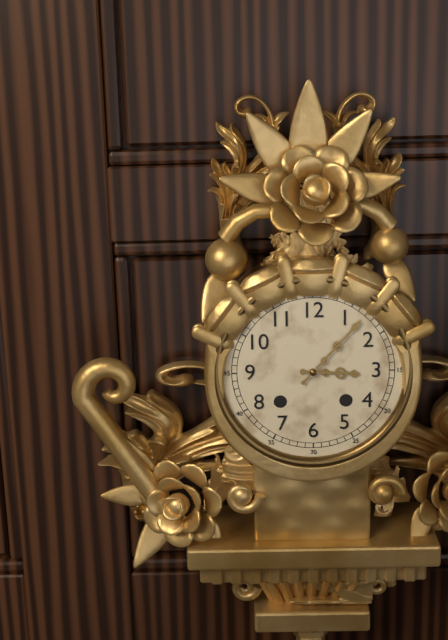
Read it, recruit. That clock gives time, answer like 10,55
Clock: 3,07
